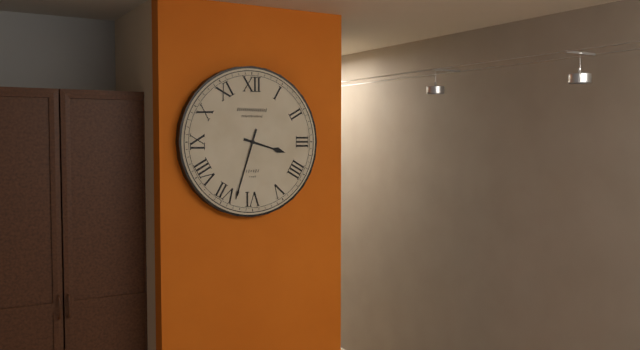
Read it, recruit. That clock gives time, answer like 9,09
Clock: 3,33
